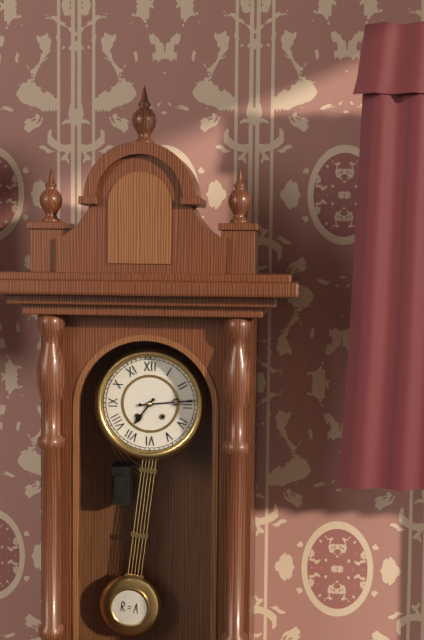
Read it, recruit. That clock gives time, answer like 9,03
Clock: 7,14
